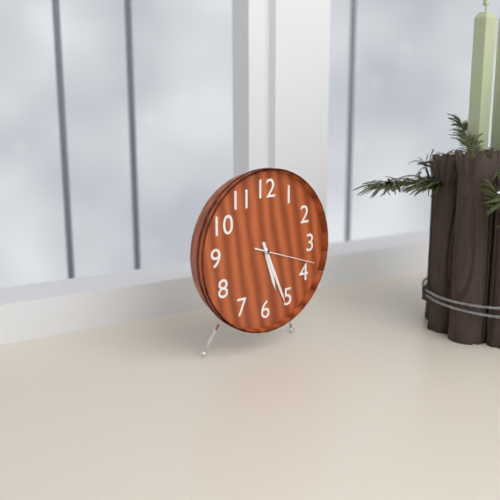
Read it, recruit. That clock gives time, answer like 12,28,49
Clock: 5,26,18
